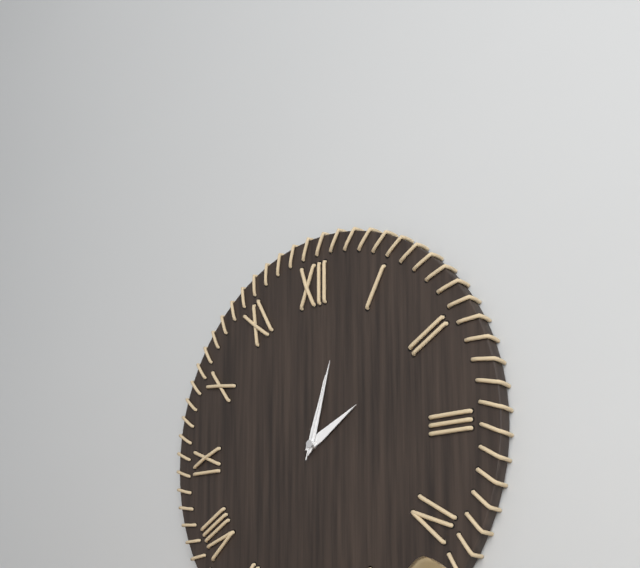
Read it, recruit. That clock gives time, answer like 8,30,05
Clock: 2,03,03
